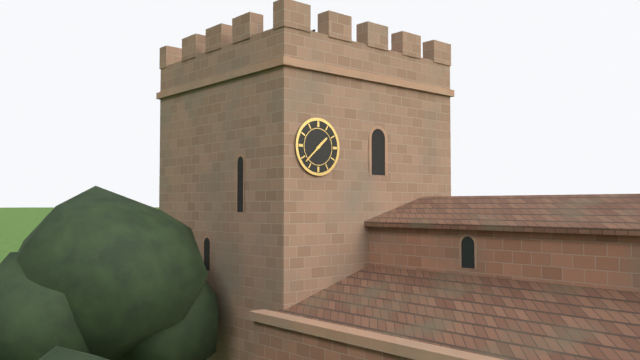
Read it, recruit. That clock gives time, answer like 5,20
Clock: 1,38
